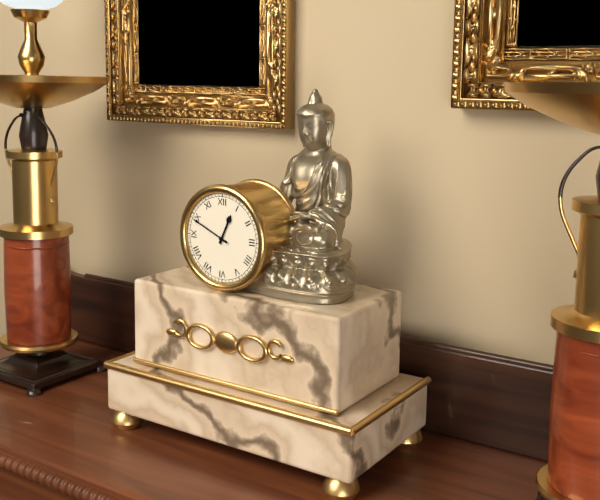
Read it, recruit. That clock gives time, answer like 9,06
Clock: 12,49
